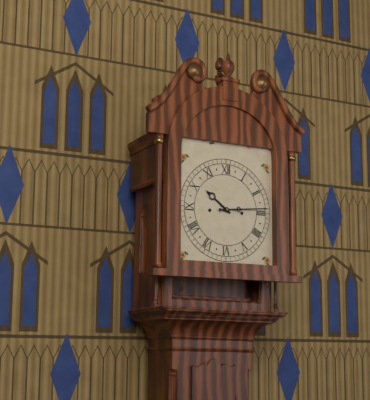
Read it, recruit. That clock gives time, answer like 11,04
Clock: 10,14
